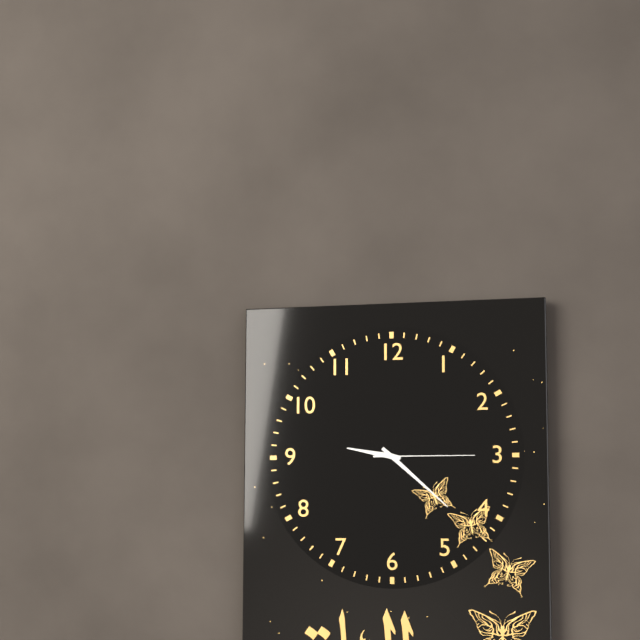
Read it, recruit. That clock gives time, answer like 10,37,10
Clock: 9,22,15
